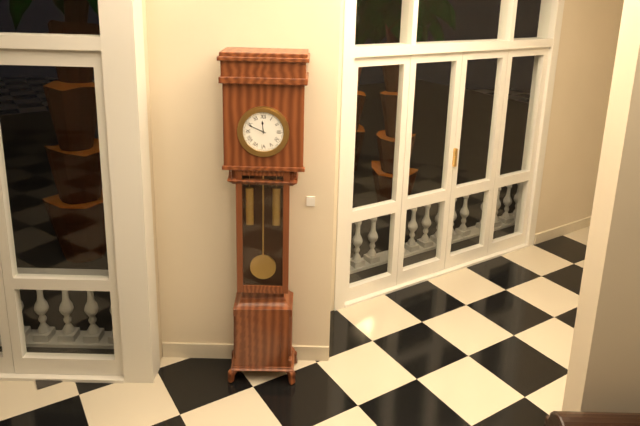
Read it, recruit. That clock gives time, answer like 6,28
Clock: 11,49
